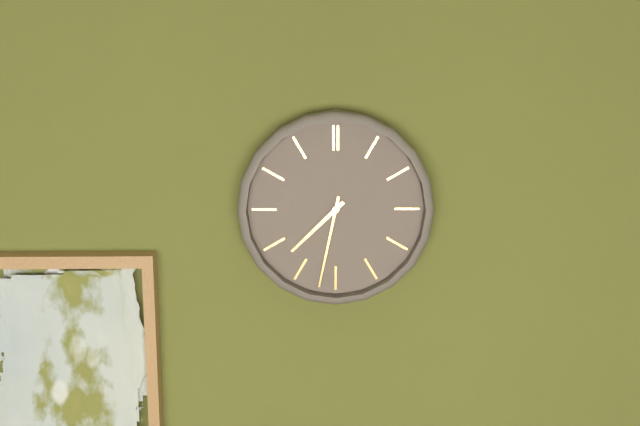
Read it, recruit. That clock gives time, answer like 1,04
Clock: 7,32
